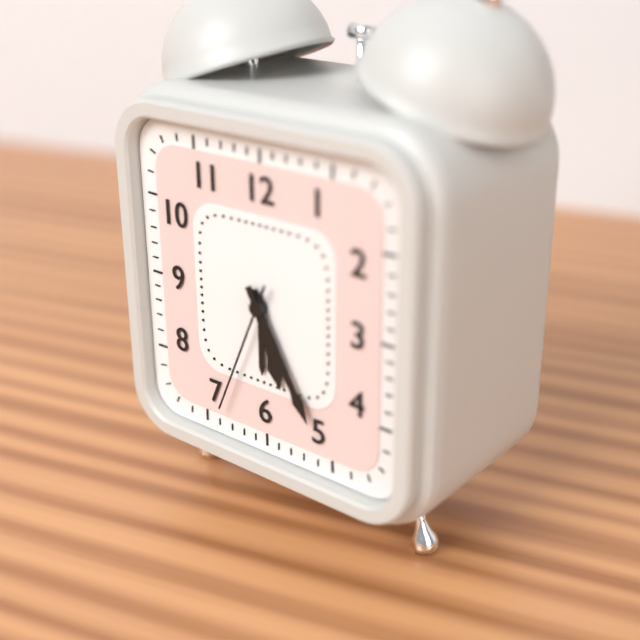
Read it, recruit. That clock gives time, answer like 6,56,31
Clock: 5,25,34
